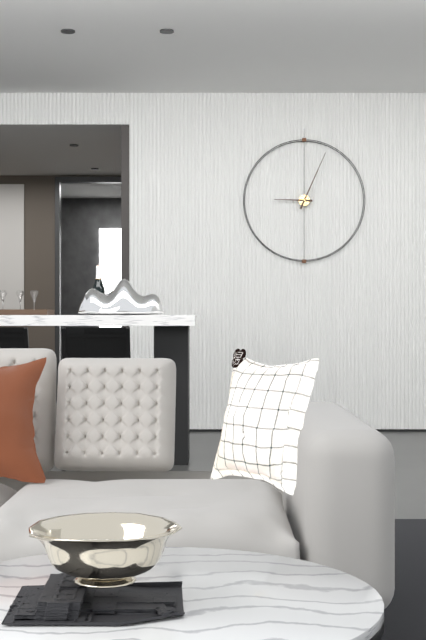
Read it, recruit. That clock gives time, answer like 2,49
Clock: 9,04
